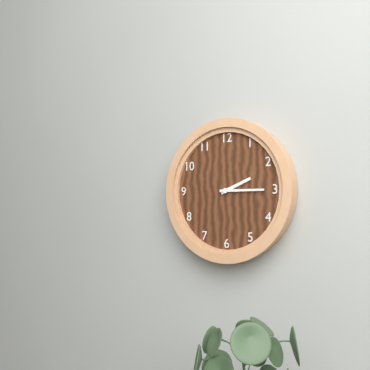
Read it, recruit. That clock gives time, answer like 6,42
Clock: 2,15
